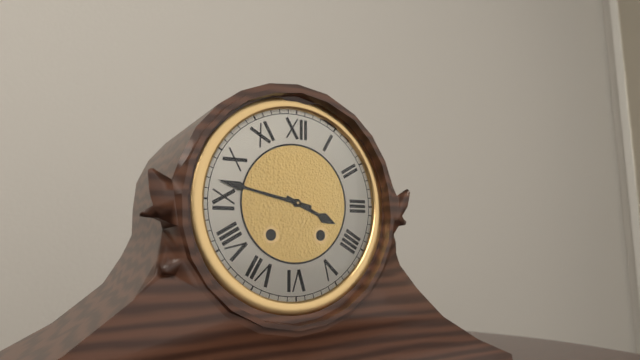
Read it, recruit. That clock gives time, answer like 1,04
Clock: 3,47
